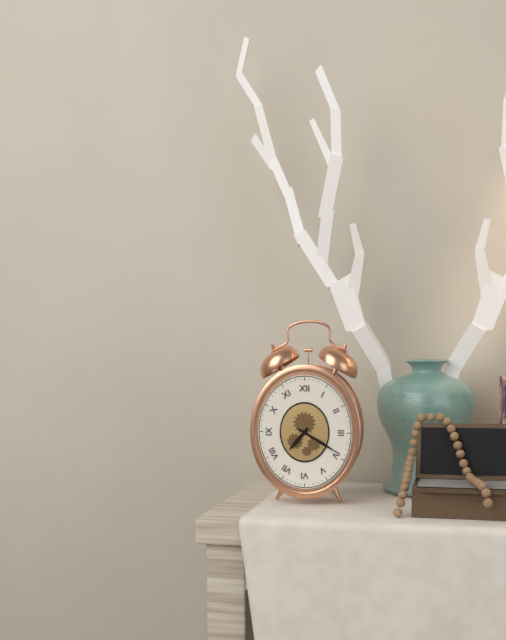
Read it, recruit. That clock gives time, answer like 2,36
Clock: 7,20
